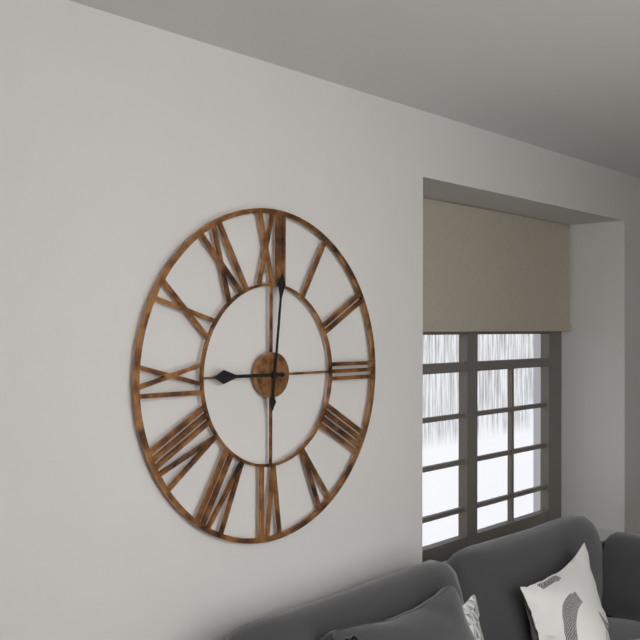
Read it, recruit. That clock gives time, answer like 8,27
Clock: 9,01
